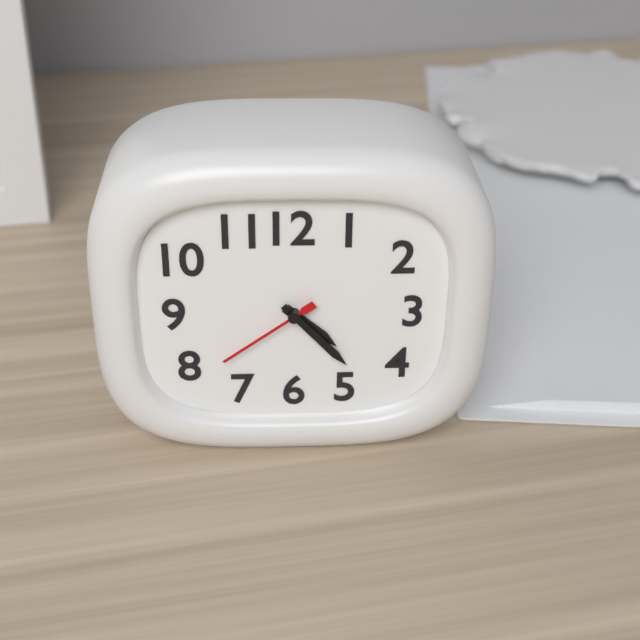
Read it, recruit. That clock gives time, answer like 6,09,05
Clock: 4,23,39
